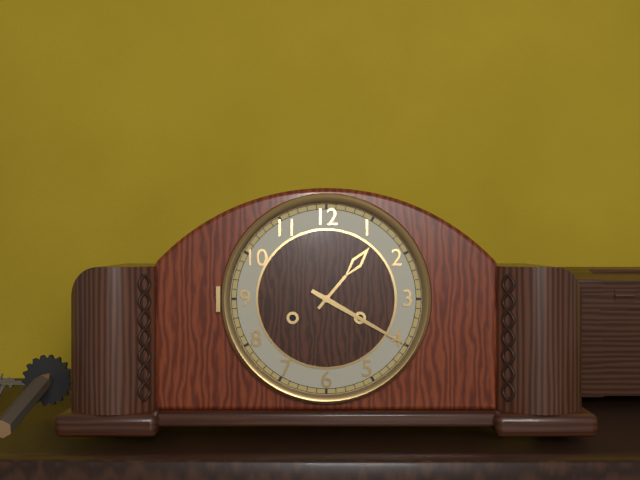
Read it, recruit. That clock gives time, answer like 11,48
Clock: 1,20
